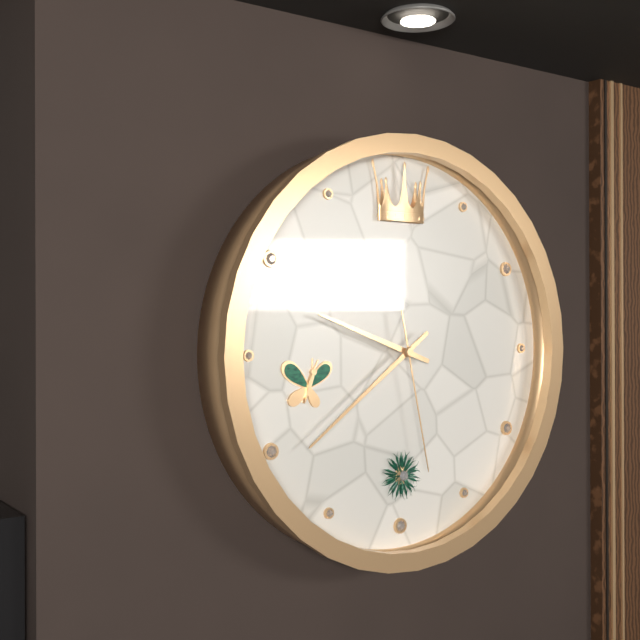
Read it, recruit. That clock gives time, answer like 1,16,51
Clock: 9,39,28
